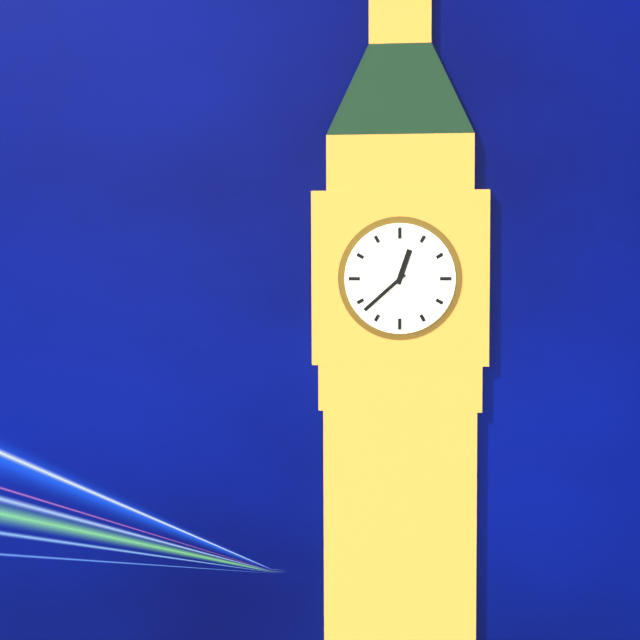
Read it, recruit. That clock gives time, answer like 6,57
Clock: 12,38
